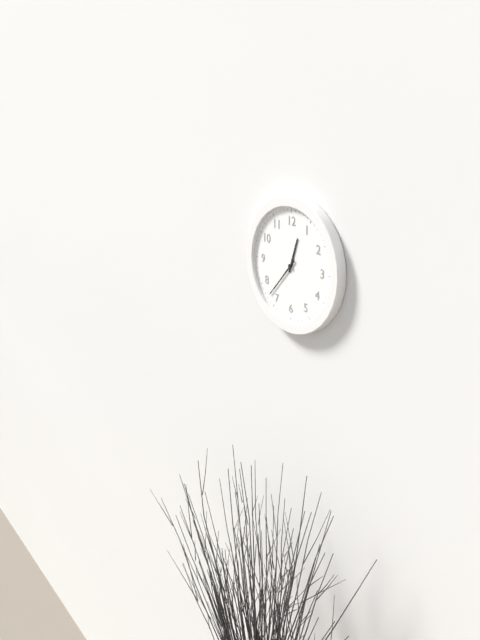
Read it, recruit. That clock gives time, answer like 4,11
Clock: 12,37
